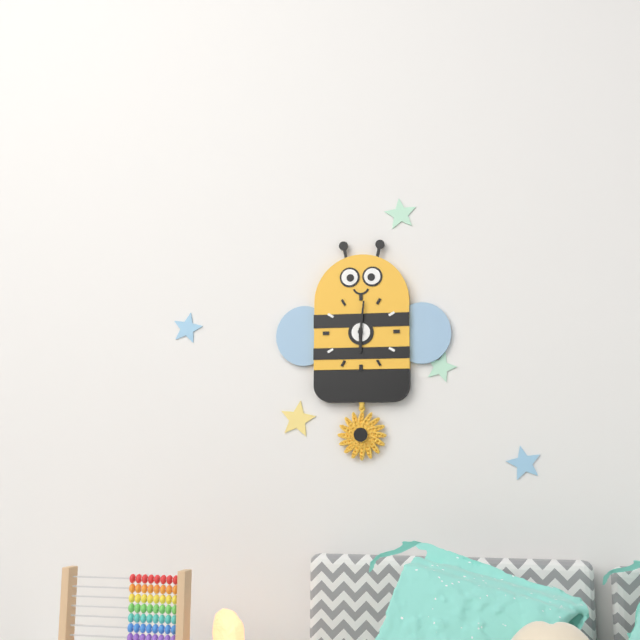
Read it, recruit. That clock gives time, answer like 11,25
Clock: 6,01
